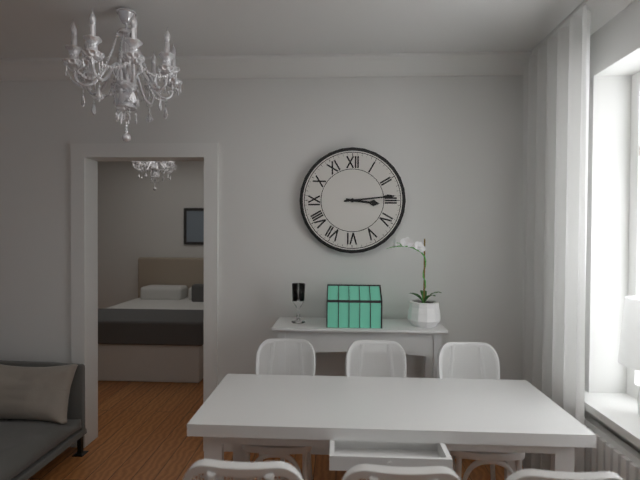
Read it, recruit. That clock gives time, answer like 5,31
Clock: 3,14
